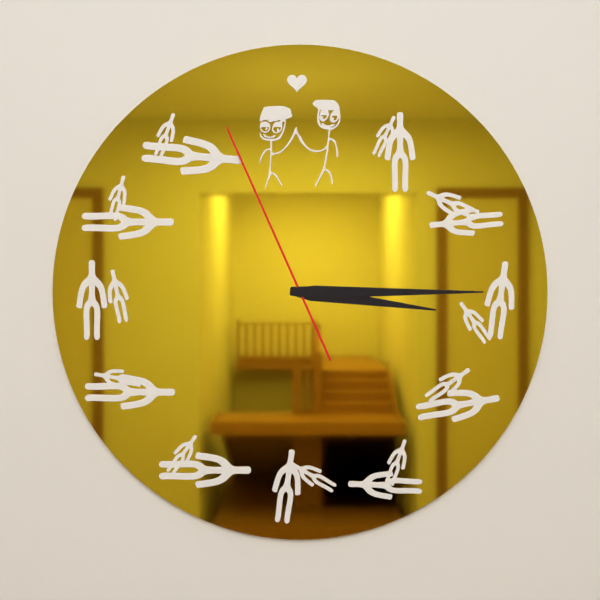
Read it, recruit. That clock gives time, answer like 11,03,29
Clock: 3,15,56
